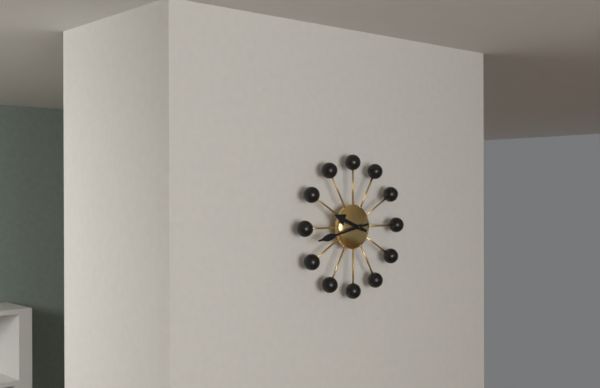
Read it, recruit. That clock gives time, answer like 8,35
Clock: 9,43
